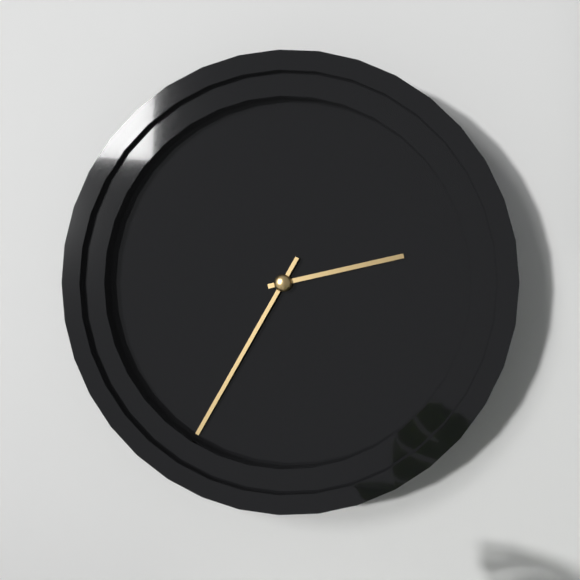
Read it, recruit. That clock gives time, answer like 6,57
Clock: 2,35
